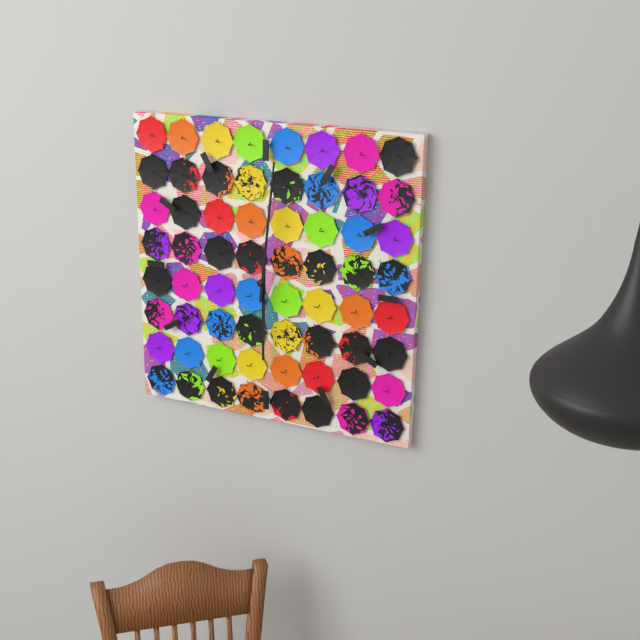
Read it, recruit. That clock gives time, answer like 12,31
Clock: 6,01
